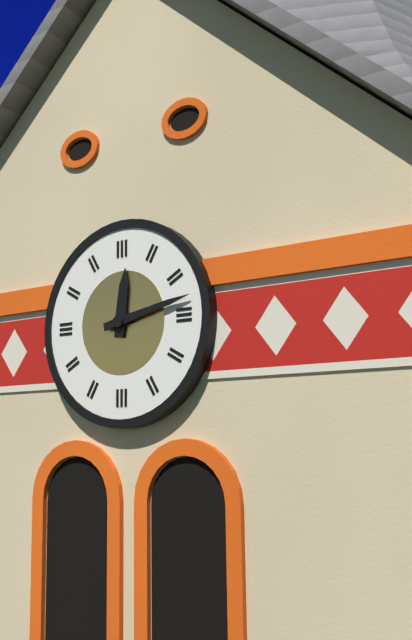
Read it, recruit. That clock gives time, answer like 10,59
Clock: 12,13
